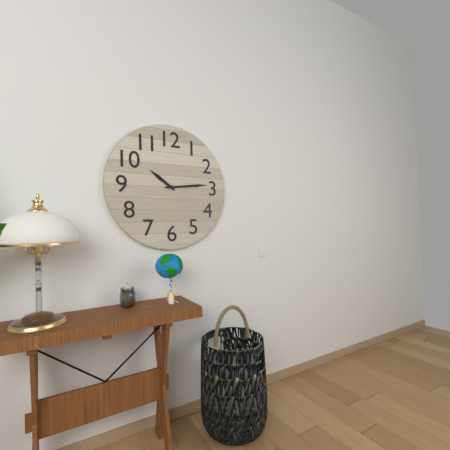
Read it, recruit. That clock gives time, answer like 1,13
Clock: 10,14
